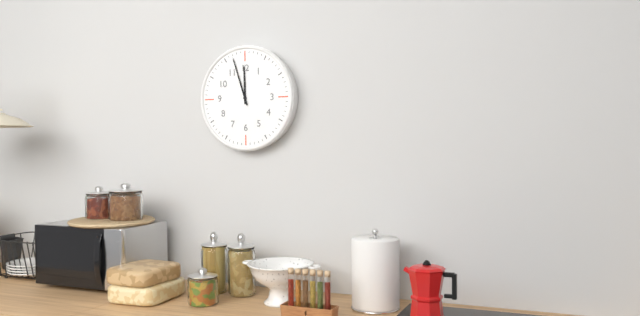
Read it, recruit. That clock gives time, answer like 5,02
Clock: 11,57
